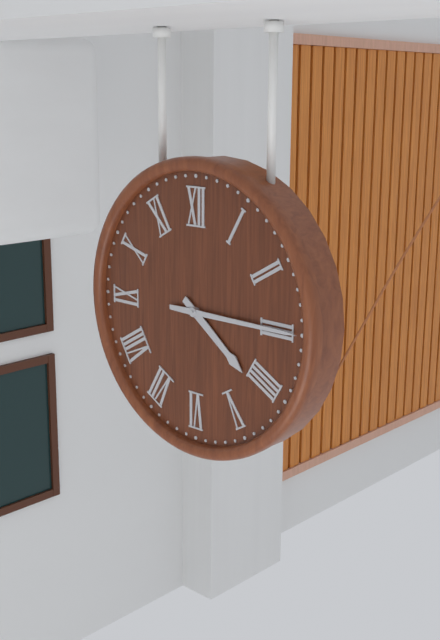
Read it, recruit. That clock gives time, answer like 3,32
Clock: 4,15
